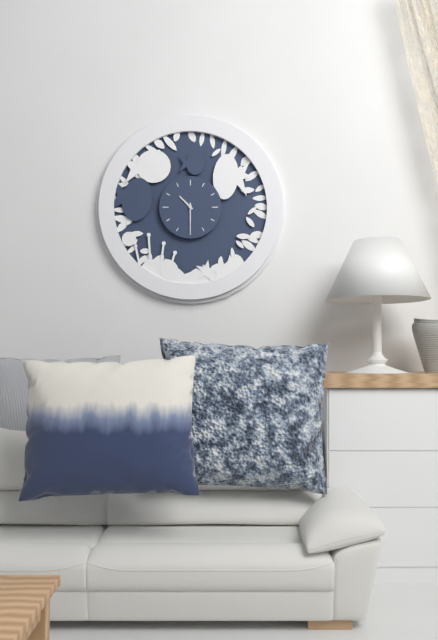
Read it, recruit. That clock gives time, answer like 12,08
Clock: 10,30
